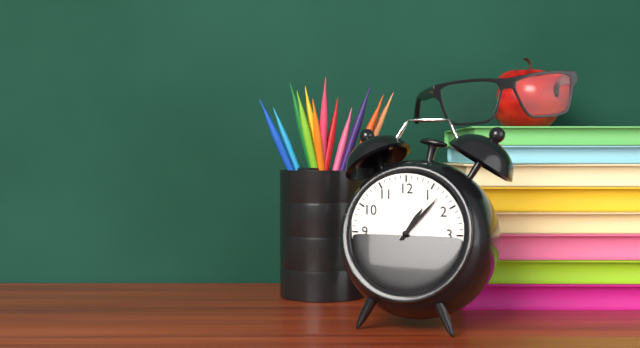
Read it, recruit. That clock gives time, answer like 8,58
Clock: 1,07
